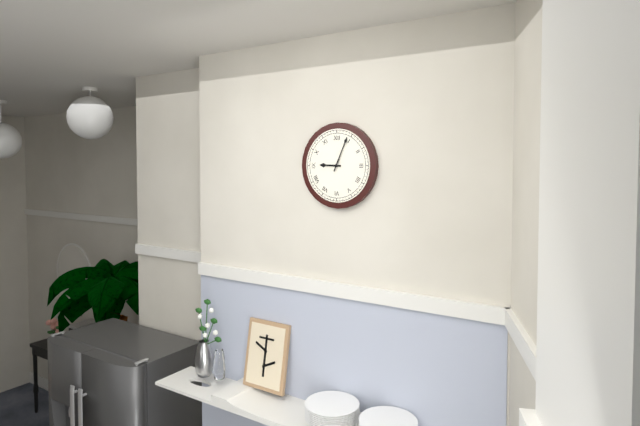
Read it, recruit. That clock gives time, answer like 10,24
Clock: 9,04
